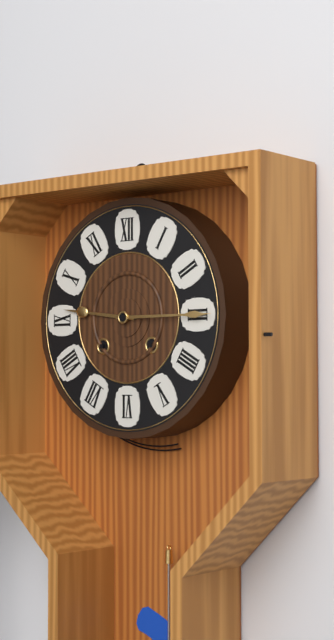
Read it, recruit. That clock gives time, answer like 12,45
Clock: 9,15
